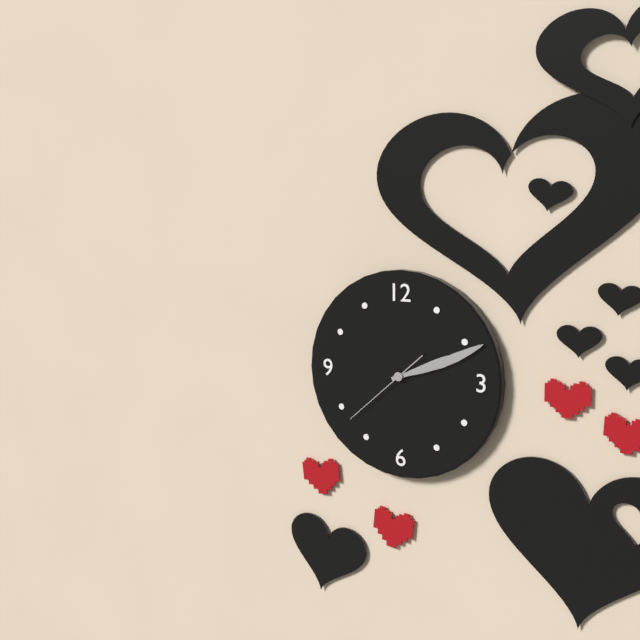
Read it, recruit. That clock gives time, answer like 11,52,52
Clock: 2,11,38
